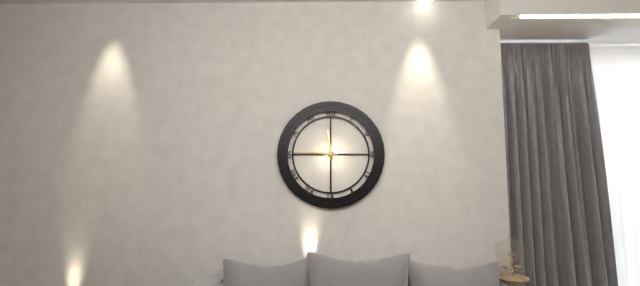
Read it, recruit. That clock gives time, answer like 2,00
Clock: 11,46
